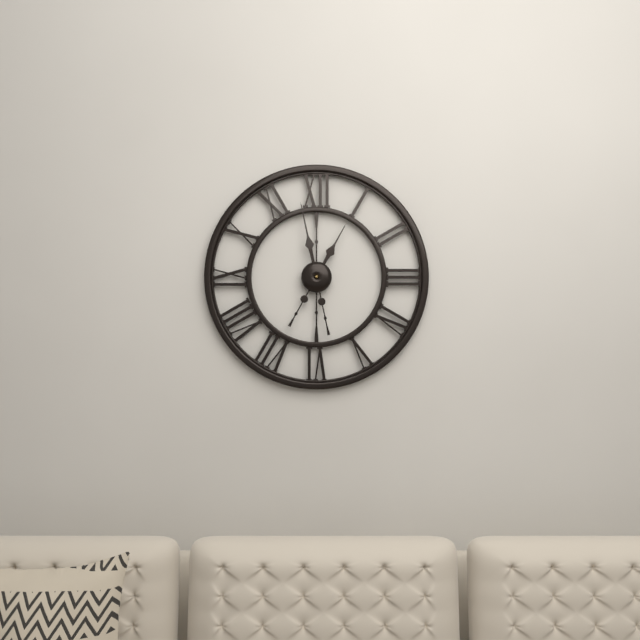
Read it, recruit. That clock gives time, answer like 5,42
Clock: 12,58
